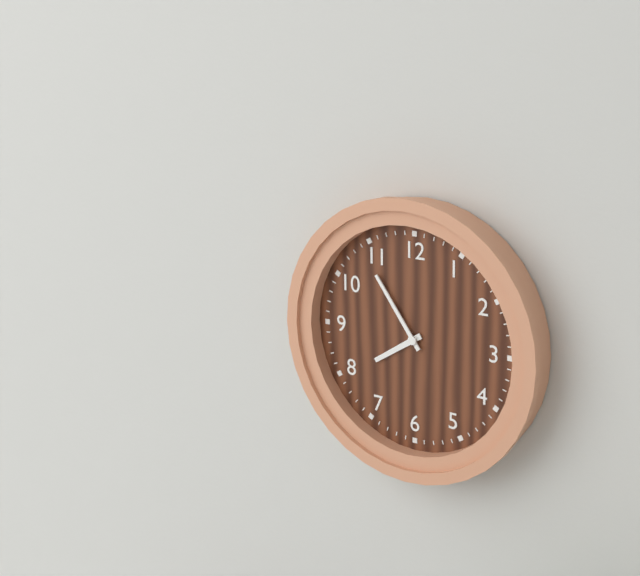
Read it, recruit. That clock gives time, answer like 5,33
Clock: 7,54
